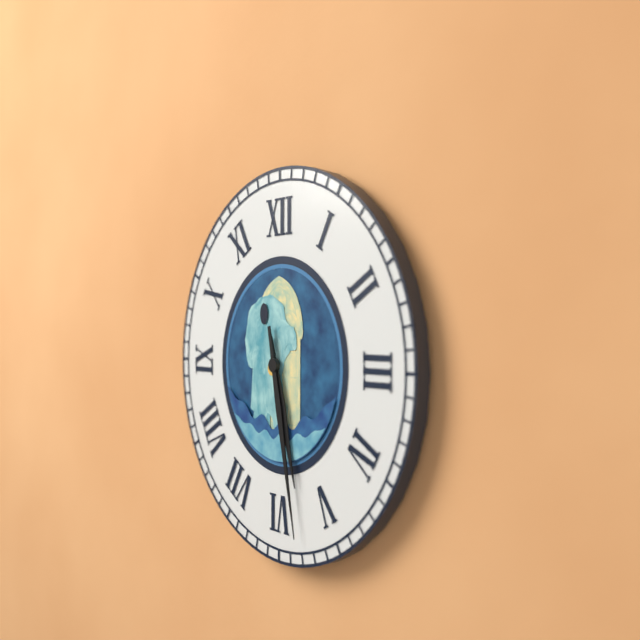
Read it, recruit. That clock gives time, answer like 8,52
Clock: 5,28
